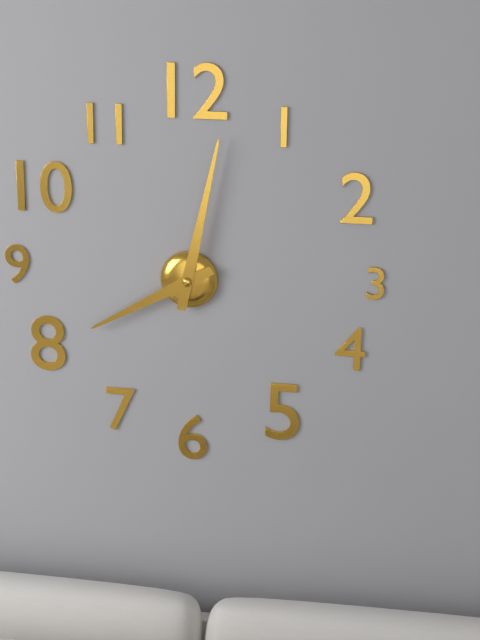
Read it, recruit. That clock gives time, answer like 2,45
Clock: 8,02
